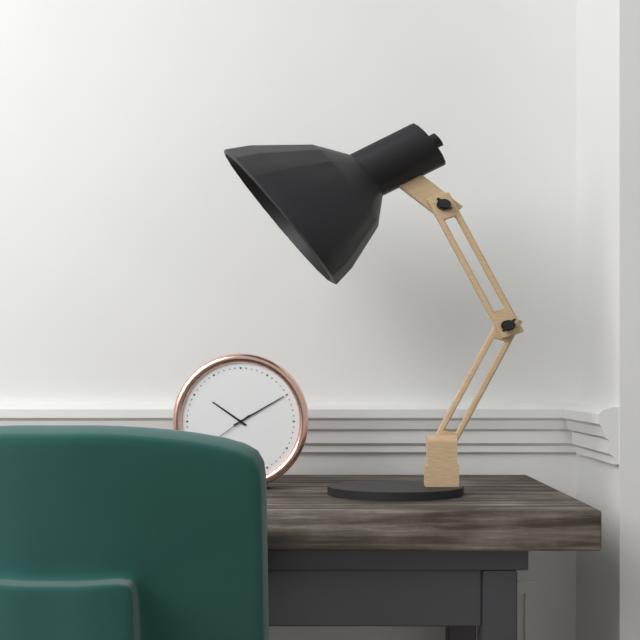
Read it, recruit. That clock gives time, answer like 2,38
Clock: 10,10
